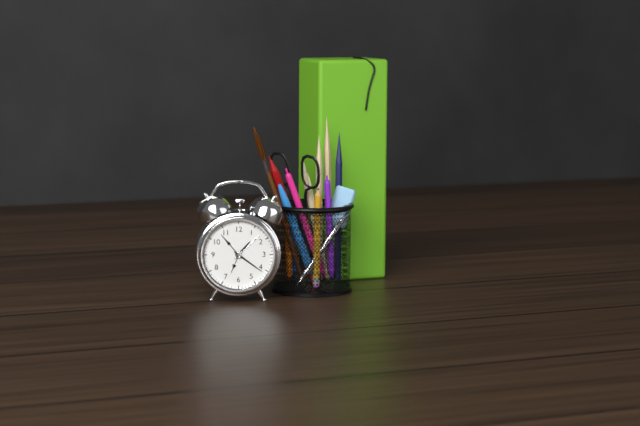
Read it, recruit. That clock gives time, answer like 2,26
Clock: 1,21
